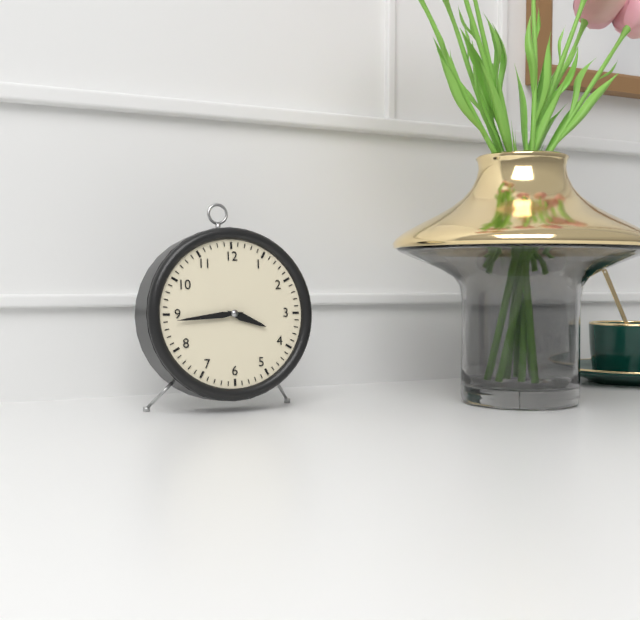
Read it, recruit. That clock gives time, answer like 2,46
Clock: 3,44
